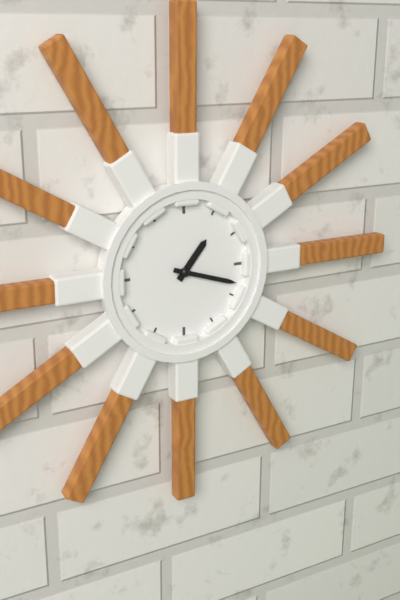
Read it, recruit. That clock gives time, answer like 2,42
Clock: 1,18
